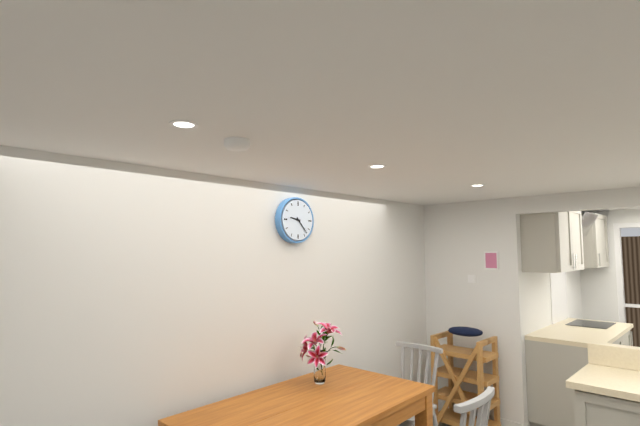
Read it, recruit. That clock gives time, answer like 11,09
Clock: 9,23
